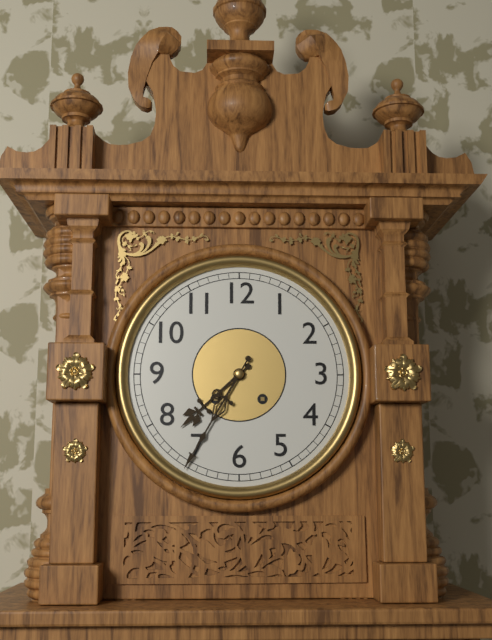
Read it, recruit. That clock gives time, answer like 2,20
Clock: 7,35
